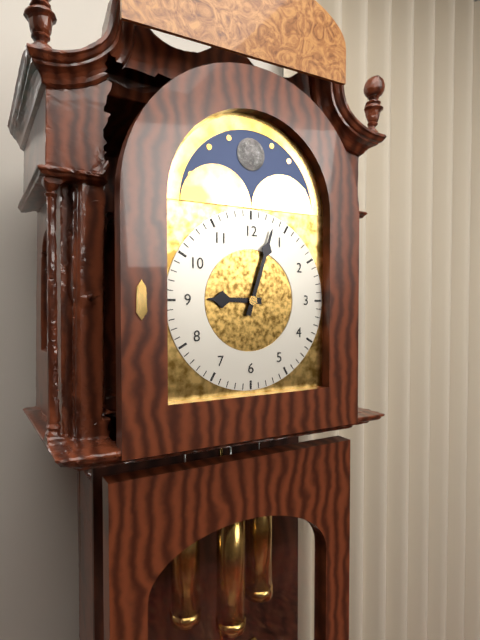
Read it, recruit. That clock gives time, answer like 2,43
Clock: 9,03
